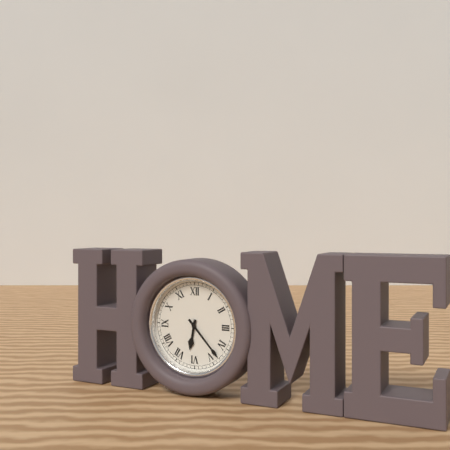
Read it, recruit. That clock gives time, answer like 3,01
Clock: 6,23
